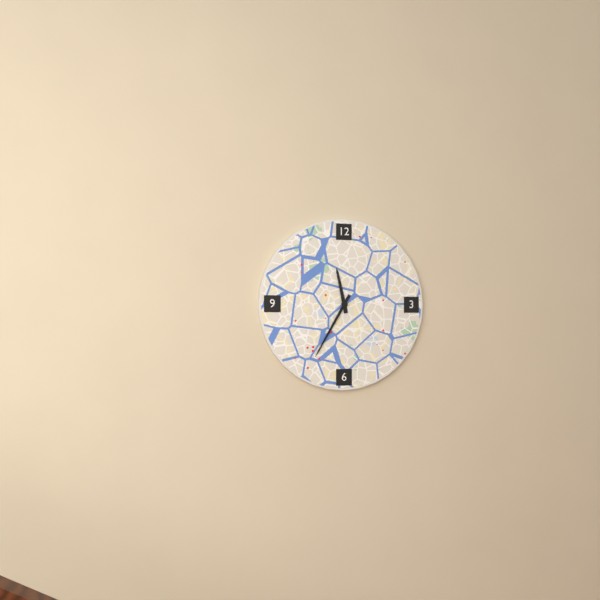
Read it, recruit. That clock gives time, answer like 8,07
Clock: 11,35
